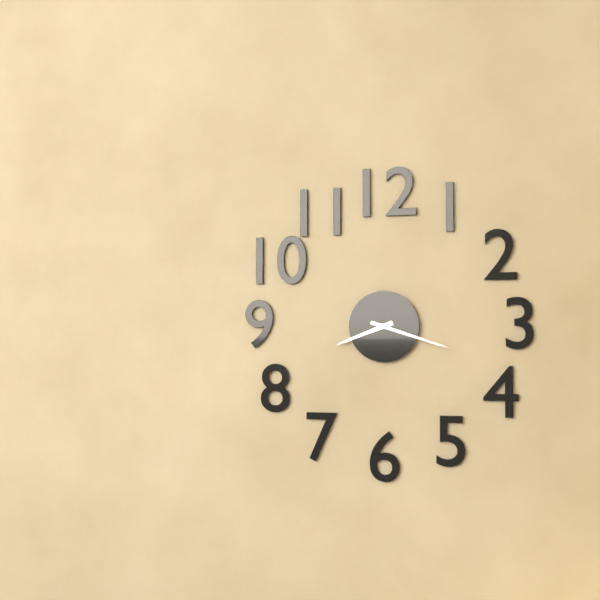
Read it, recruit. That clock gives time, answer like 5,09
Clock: 8,18
